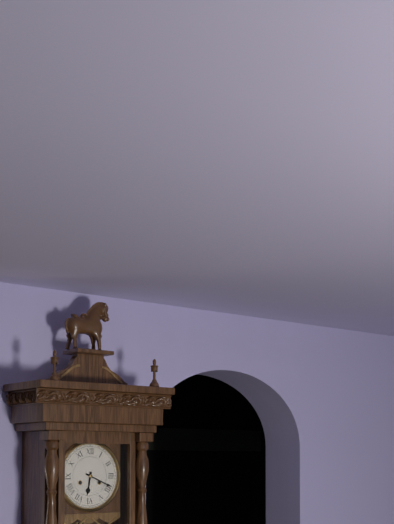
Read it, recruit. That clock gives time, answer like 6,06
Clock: 6,19
